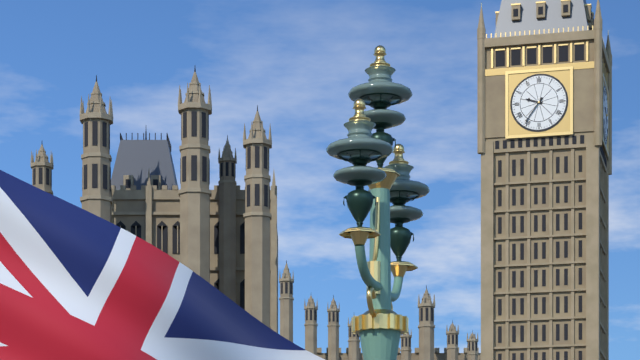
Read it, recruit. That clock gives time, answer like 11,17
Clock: 9,36
